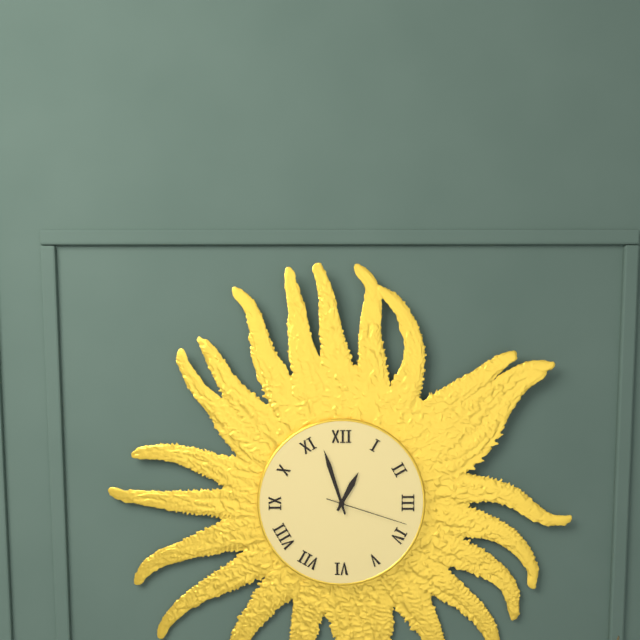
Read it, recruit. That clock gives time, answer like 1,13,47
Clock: 12,57,18
